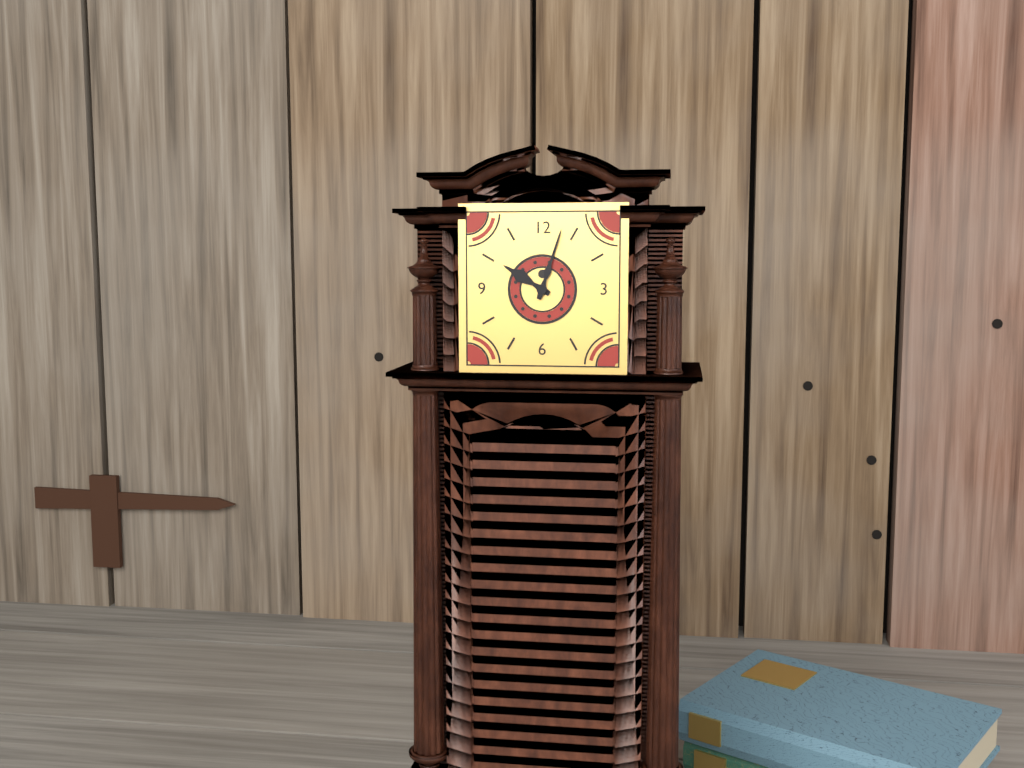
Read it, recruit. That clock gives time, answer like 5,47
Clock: 10,03
